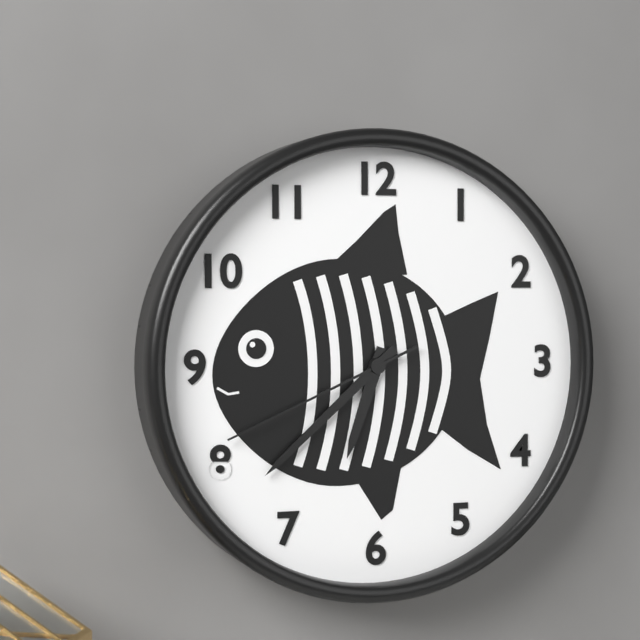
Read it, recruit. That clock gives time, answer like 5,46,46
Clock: 6,38,41
